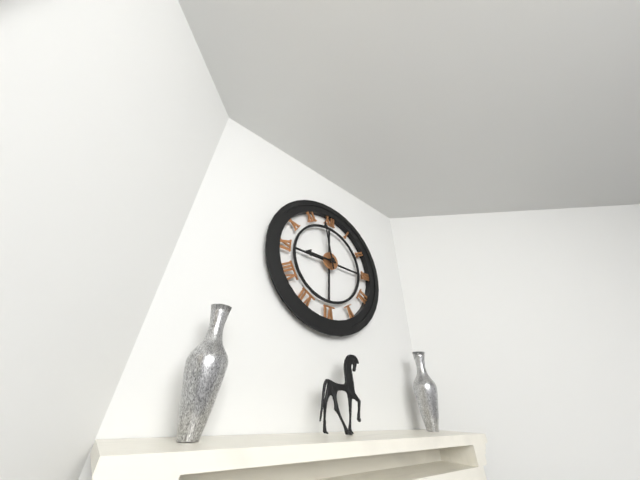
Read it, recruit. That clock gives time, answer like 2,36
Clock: 8,58
